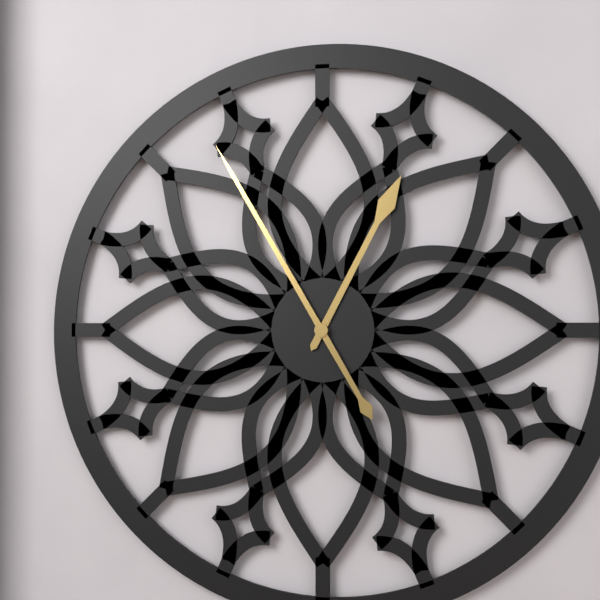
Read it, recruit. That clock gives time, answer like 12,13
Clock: 12,55
